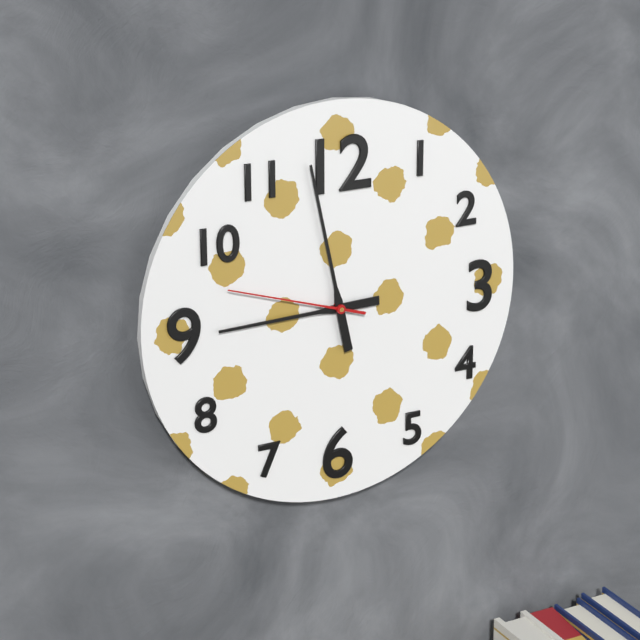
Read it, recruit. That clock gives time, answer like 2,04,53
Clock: 8,58,48
